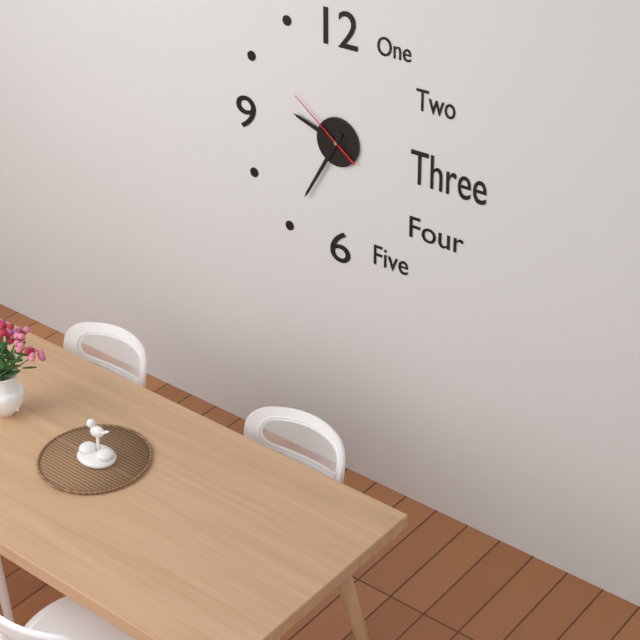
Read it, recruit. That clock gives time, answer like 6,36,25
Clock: 9,35,51
